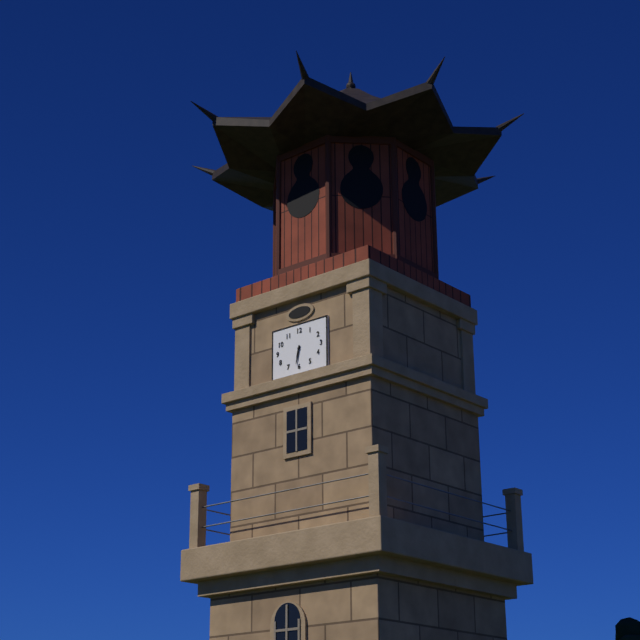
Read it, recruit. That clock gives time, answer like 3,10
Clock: 6,32
